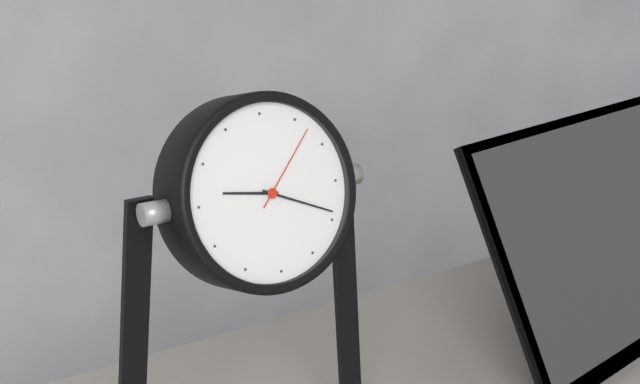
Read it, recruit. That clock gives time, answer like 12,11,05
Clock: 9,19,07
